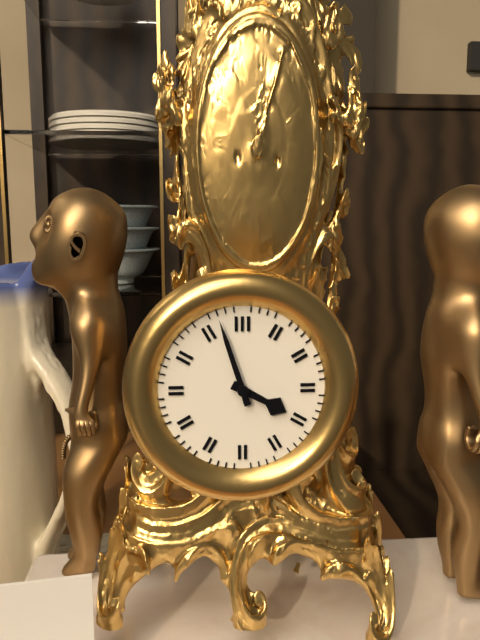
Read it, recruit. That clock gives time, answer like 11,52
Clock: 3,57
